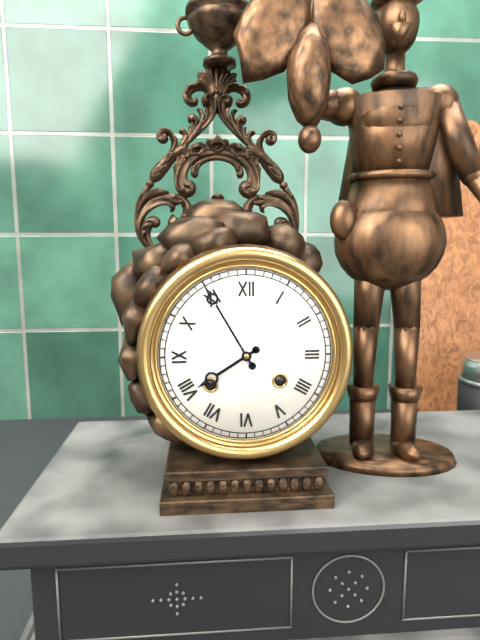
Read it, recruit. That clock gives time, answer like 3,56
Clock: 7,55
